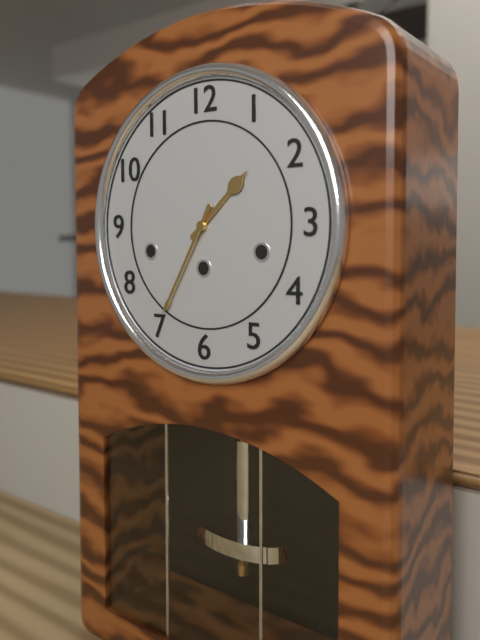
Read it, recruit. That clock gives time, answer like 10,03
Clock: 1,35
